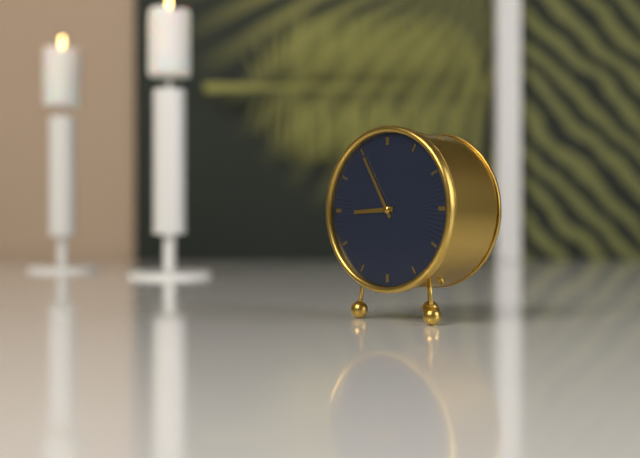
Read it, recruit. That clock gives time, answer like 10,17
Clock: 8,55
